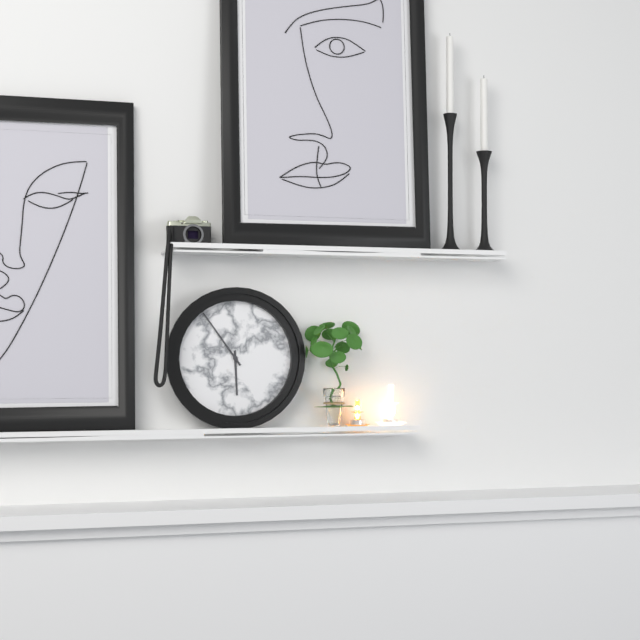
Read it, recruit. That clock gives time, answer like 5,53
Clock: 5,54
